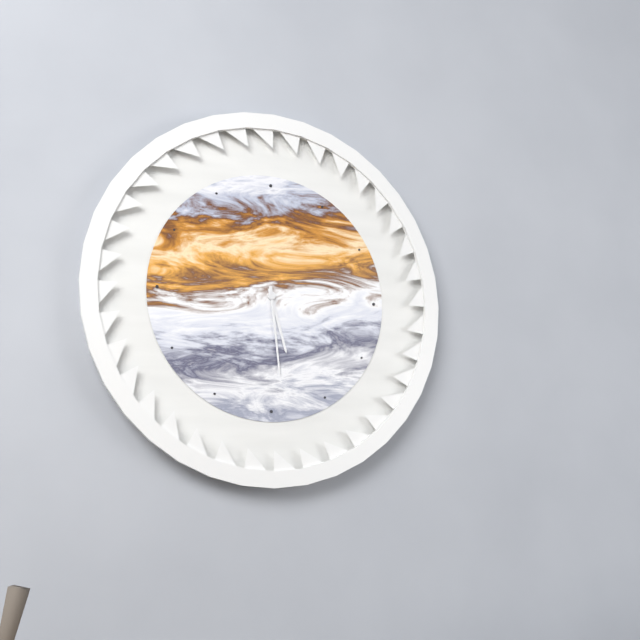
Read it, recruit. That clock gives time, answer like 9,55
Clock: 5,29
